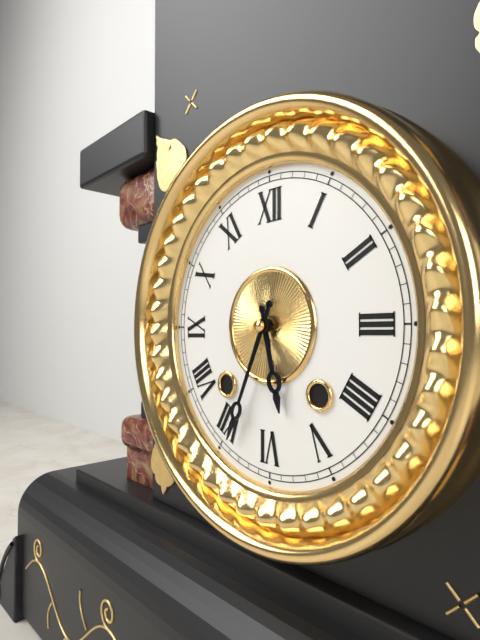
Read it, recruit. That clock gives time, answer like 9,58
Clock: 5,34
